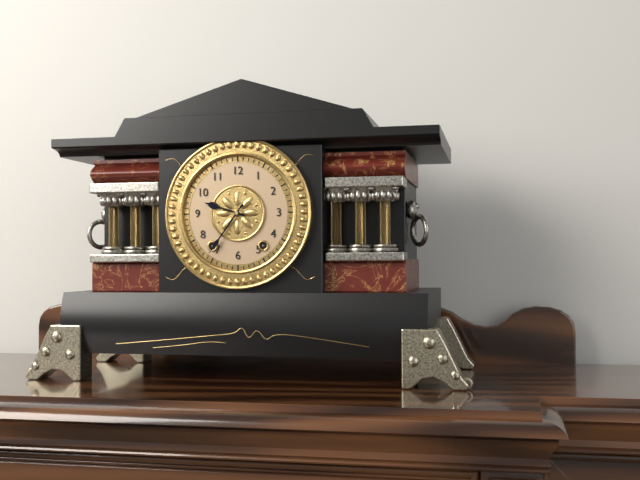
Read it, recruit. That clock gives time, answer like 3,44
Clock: 9,36
